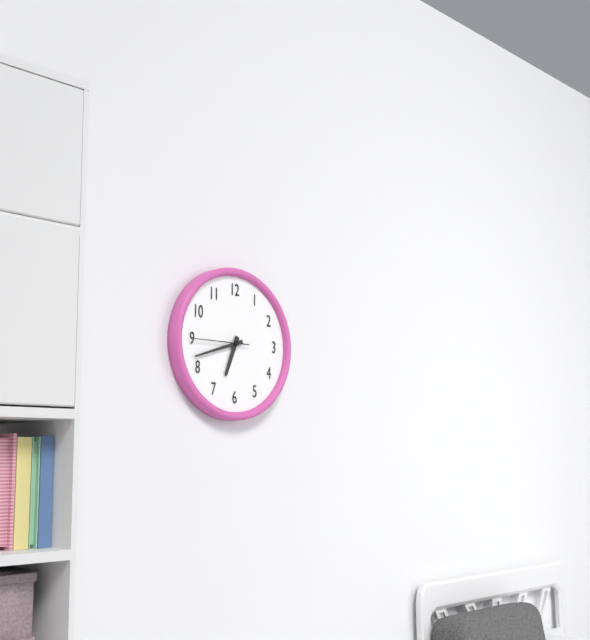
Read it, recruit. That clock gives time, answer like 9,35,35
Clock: 6,42,45
